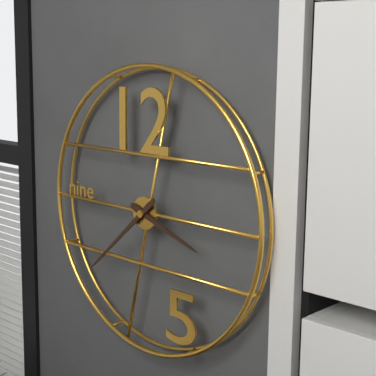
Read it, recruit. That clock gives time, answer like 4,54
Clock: 3,38
